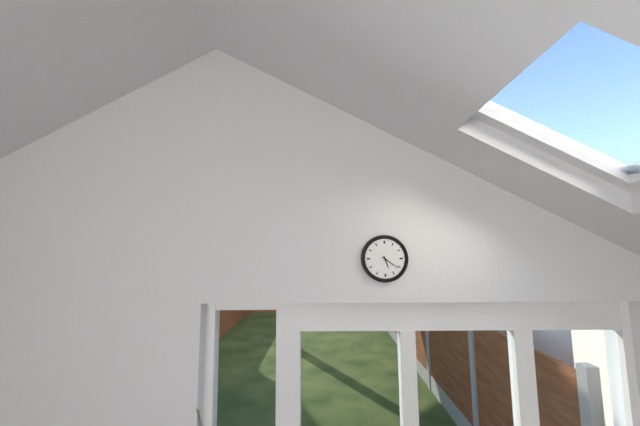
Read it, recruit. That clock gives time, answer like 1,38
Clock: 5,21
